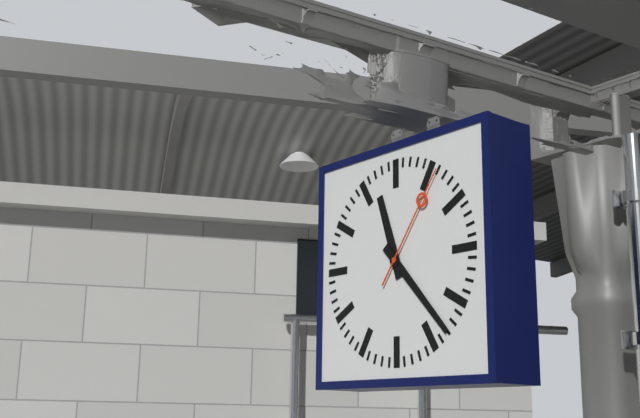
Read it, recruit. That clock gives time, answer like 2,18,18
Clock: 11,23,06
